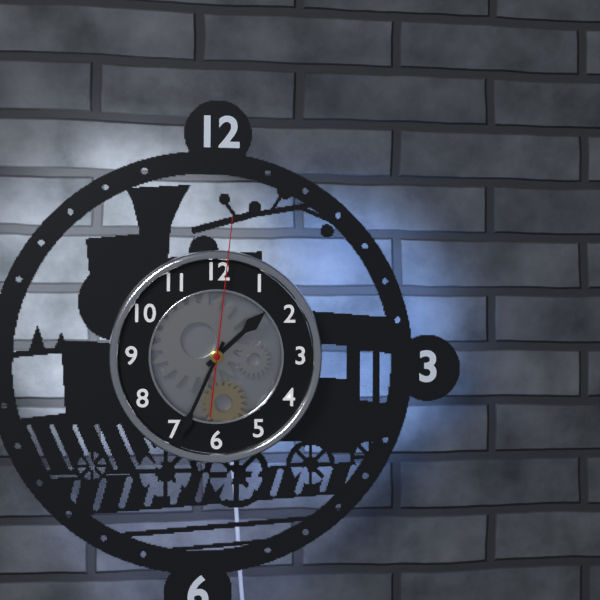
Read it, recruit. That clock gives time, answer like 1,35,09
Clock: 1,34,01
